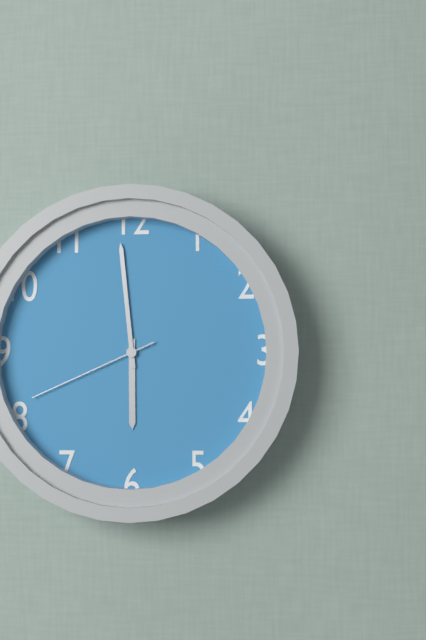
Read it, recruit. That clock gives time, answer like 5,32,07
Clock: 5,59,41
